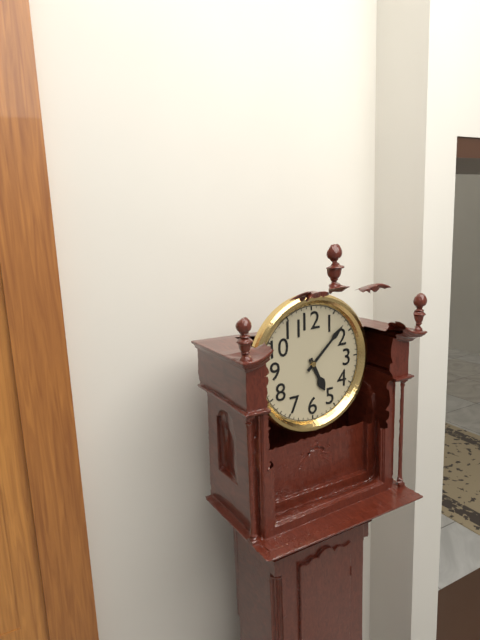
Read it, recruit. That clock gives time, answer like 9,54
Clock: 5,08
